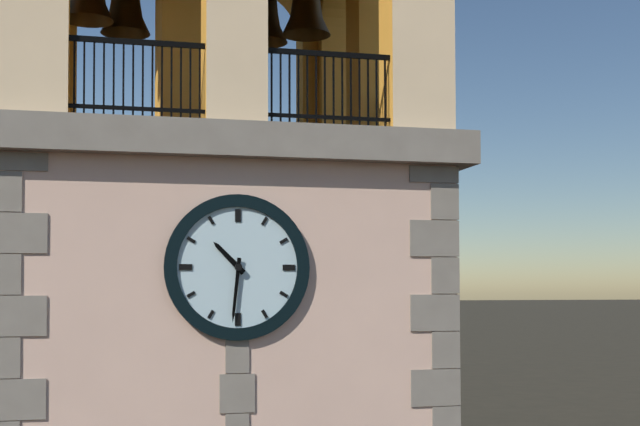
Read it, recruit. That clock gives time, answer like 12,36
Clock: 10,31
